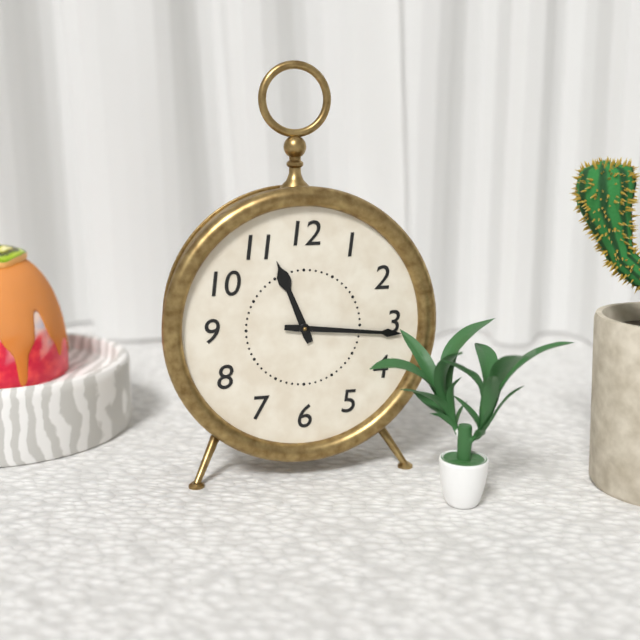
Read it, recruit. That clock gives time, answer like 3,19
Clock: 11,16
